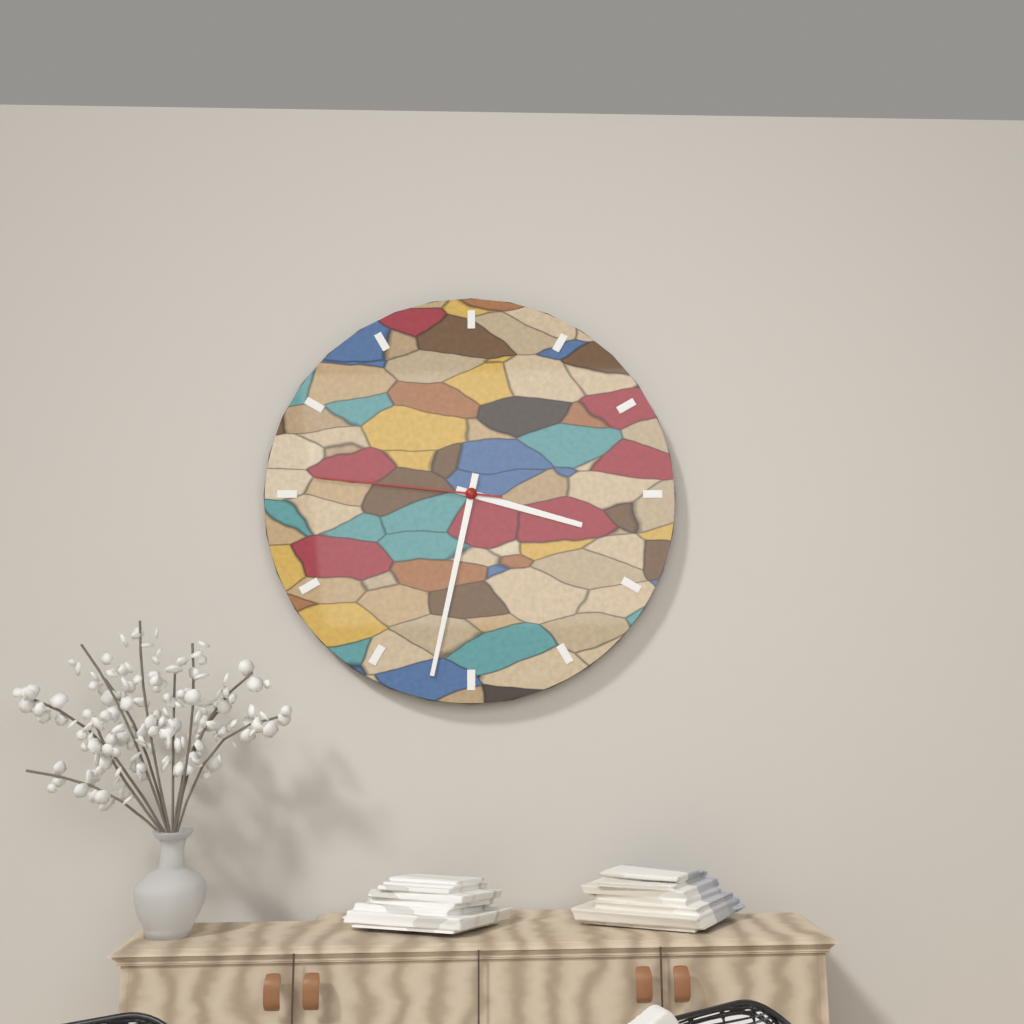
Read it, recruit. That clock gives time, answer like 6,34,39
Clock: 3,32,46
